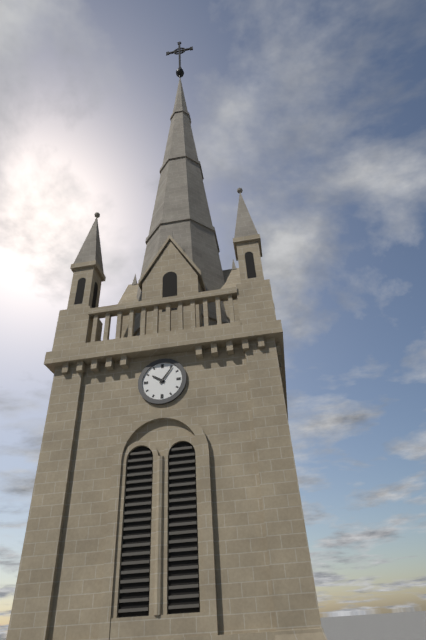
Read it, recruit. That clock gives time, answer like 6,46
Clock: 10,06
